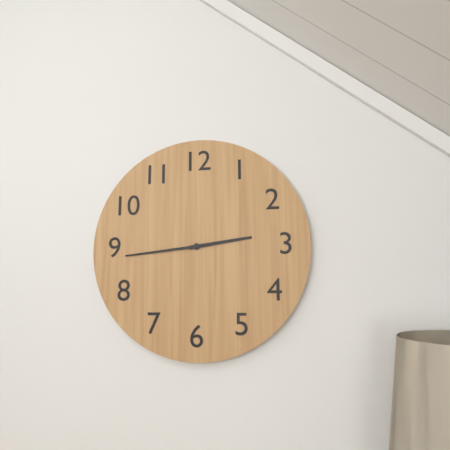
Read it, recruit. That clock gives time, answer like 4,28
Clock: 2,44
